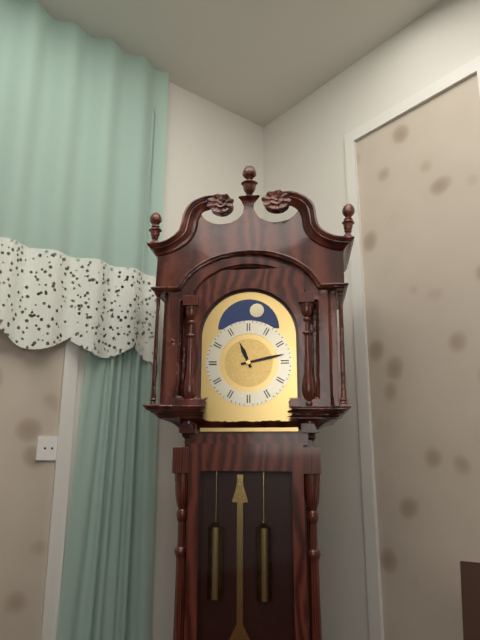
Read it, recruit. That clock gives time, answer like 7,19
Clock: 11,13
